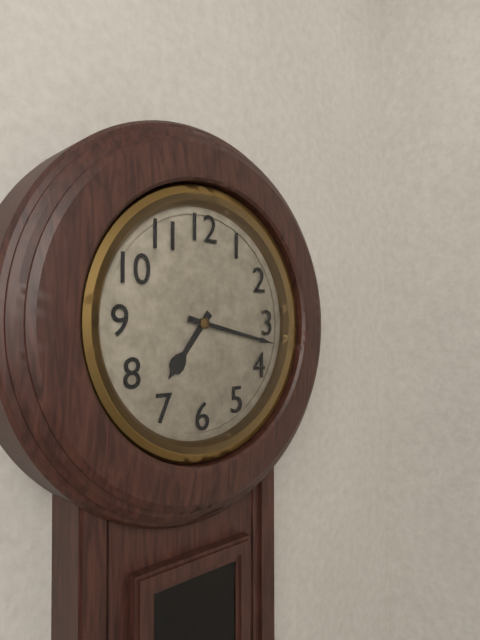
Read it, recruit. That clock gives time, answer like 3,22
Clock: 7,17
